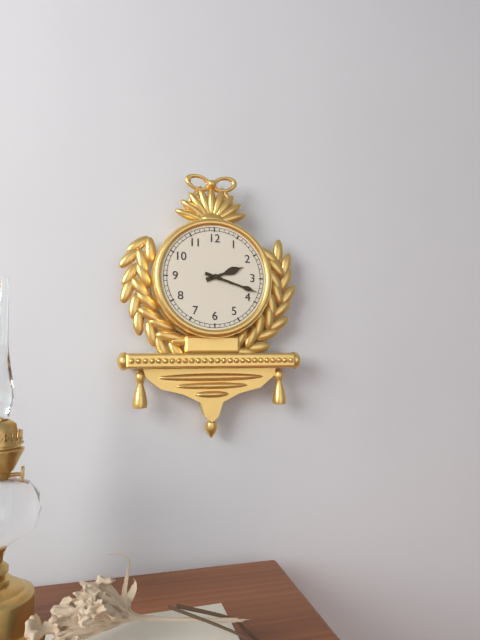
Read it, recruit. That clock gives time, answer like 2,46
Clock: 2,18
